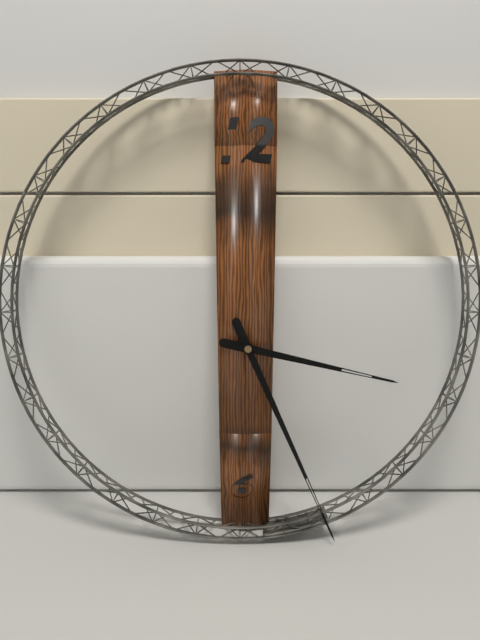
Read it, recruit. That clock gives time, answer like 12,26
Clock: 3,26
